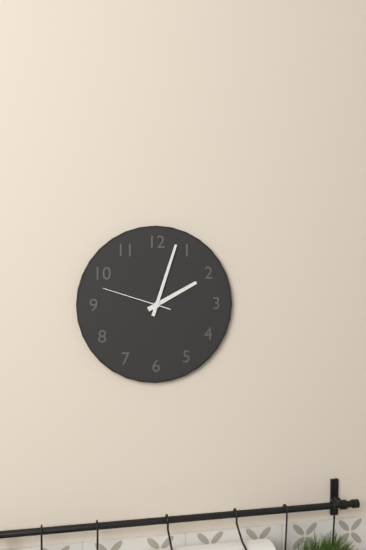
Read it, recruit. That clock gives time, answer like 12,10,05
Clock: 2,03,48
